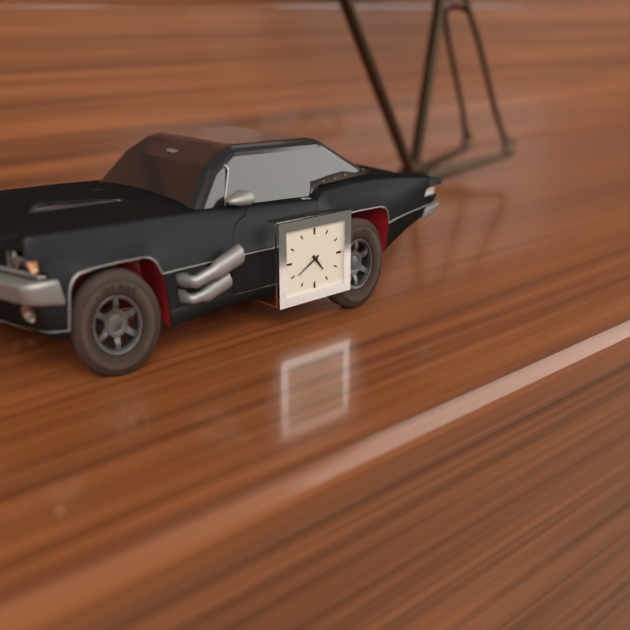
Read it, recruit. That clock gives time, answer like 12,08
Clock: 4,40
